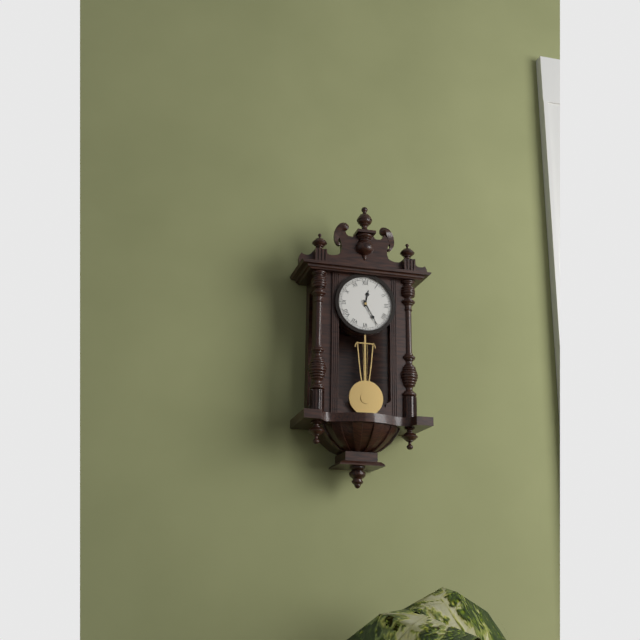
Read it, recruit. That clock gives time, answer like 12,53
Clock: 12,25
